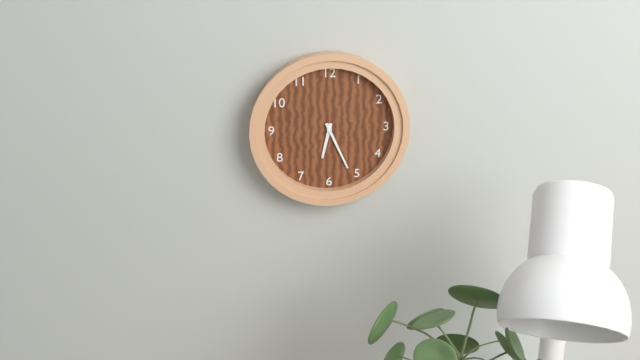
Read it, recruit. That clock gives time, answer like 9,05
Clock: 6,26
